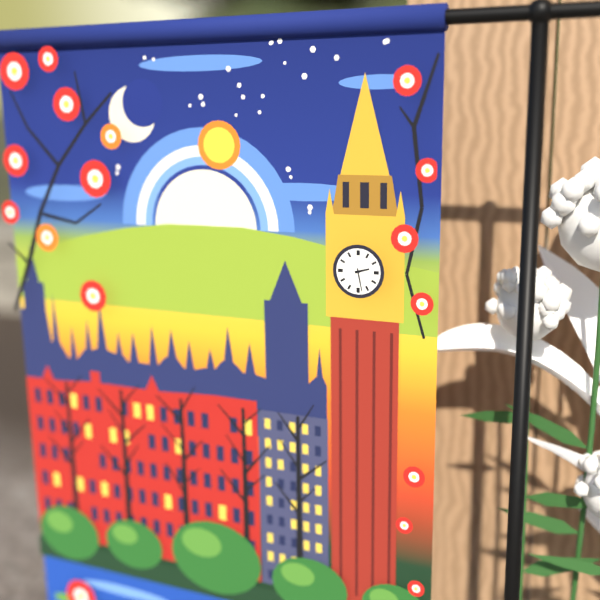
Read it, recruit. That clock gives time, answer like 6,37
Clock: 2,28
